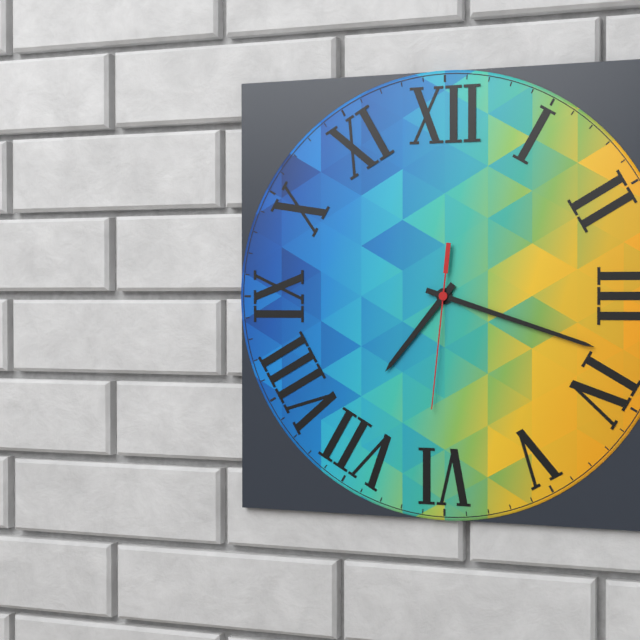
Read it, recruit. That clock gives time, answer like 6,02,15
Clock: 7,18,31
